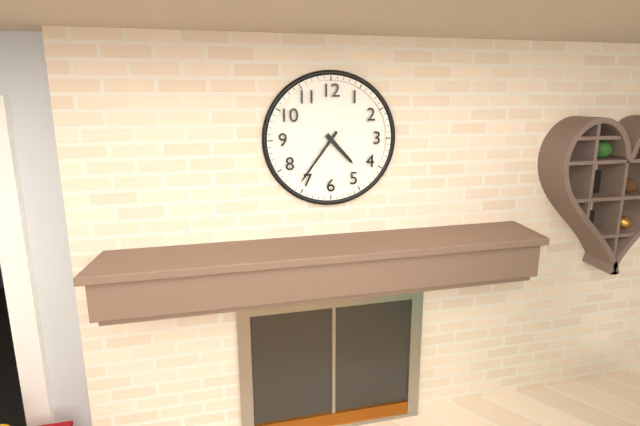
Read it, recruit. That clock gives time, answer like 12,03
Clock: 4,36
